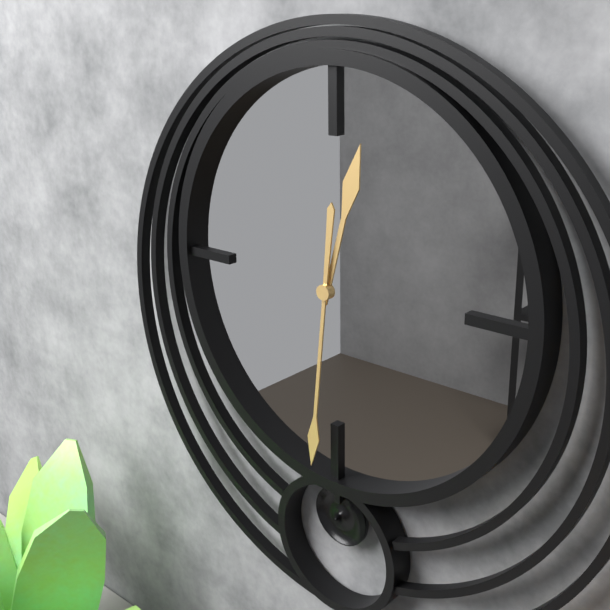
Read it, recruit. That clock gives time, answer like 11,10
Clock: 12,31
